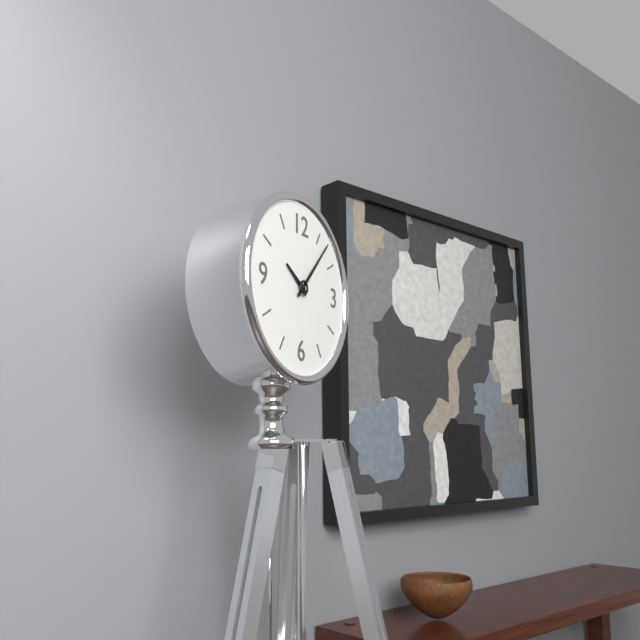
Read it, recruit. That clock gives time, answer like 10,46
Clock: 10,07
